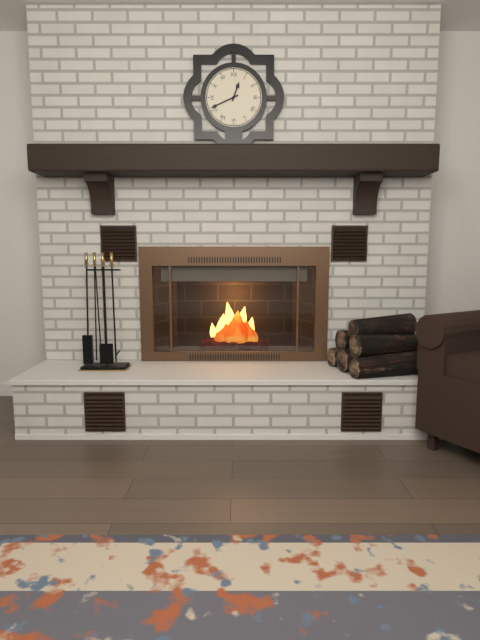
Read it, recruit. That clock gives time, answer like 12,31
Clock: 12,41
